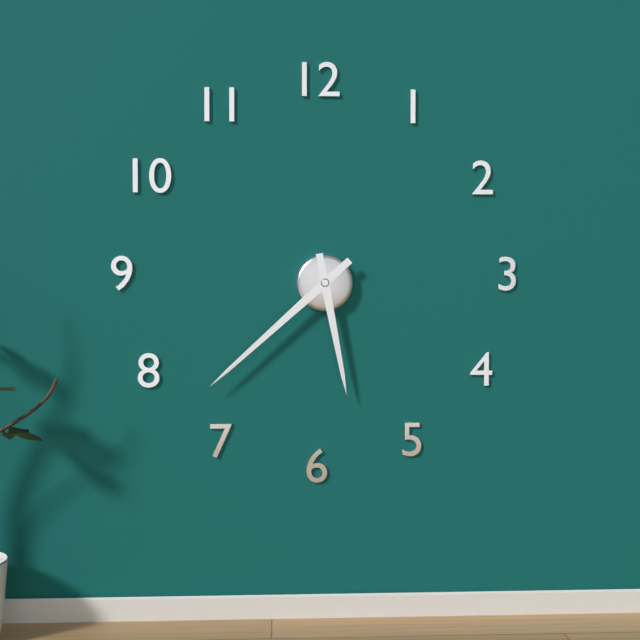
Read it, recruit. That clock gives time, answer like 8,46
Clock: 5,38
